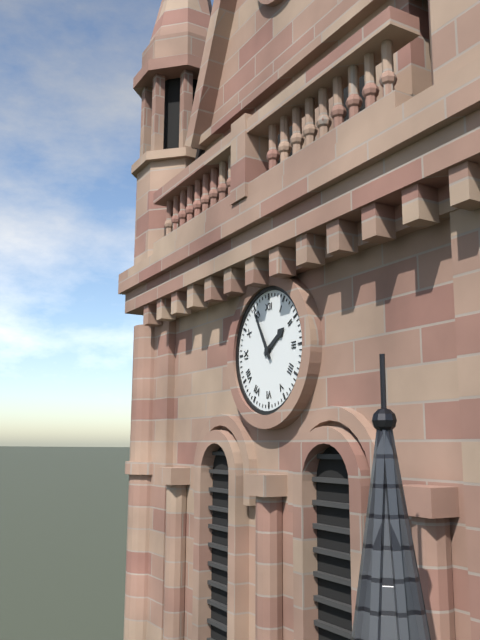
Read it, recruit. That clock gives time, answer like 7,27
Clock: 1,55
